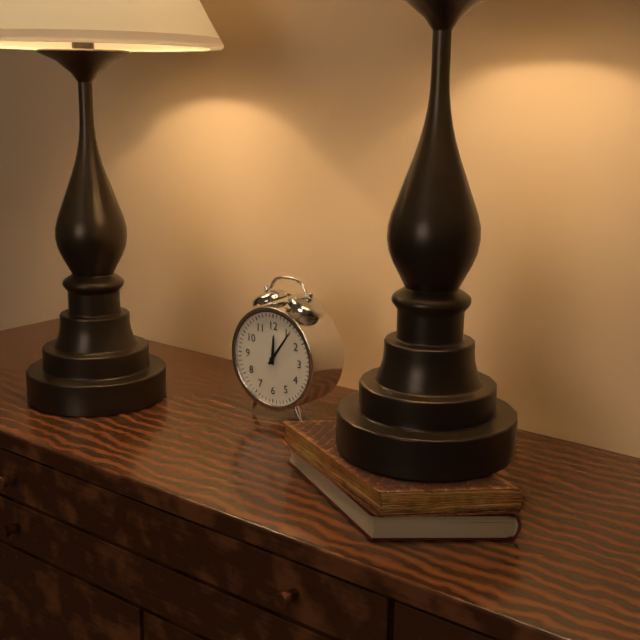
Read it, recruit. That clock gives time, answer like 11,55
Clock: 12,06
